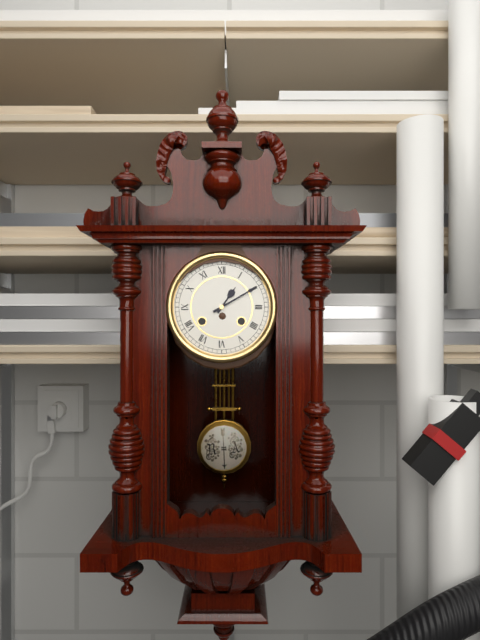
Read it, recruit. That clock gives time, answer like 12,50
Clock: 1,10
